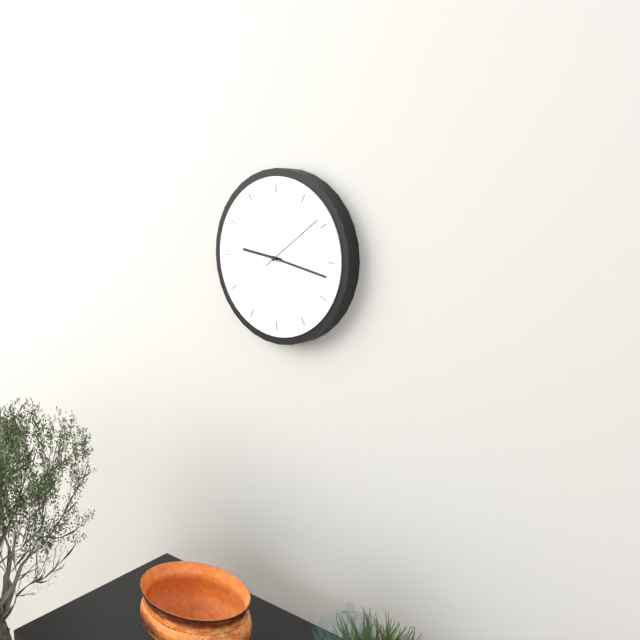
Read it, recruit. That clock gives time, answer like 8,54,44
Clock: 9,17,09
